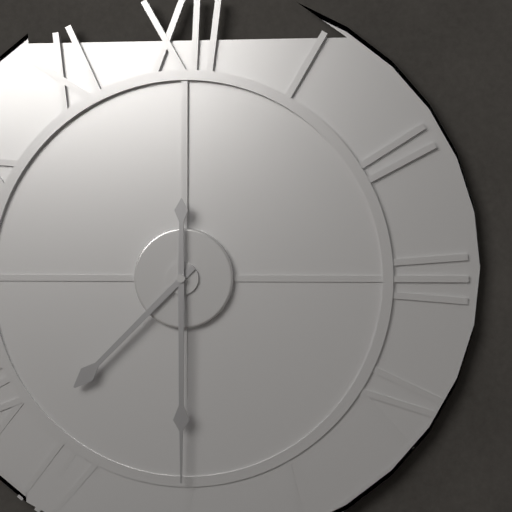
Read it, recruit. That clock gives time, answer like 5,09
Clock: 7,30
